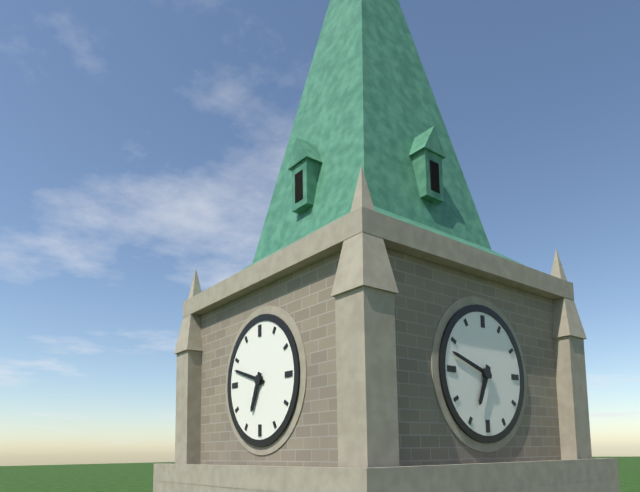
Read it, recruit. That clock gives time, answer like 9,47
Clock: 6,48
